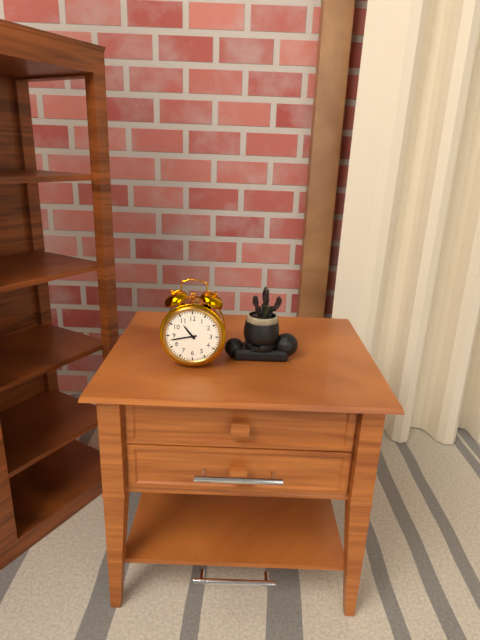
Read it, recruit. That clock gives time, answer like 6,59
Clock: 10,43
